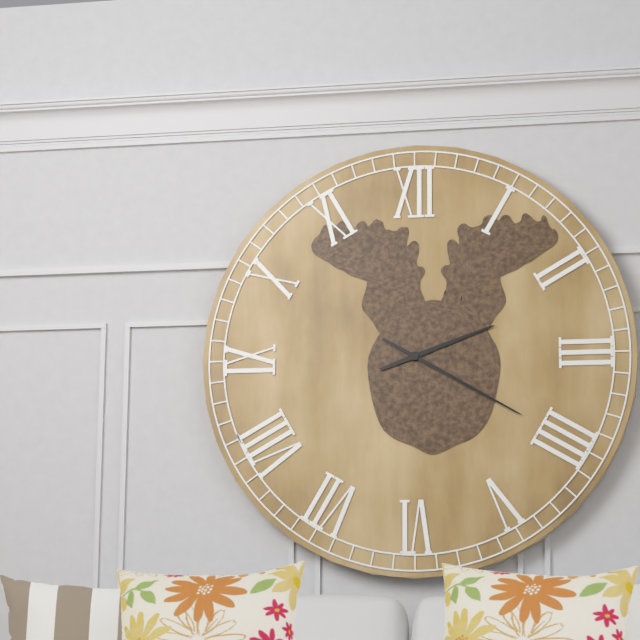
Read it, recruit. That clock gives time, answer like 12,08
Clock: 2,20
